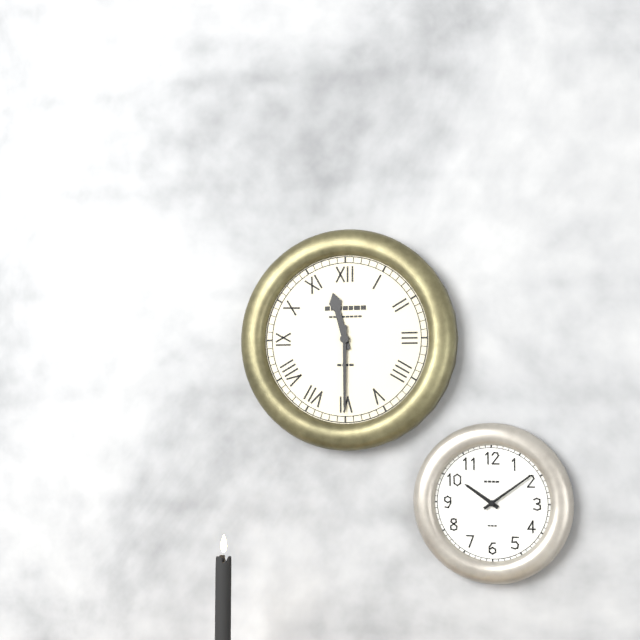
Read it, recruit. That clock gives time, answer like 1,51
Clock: 11,30
